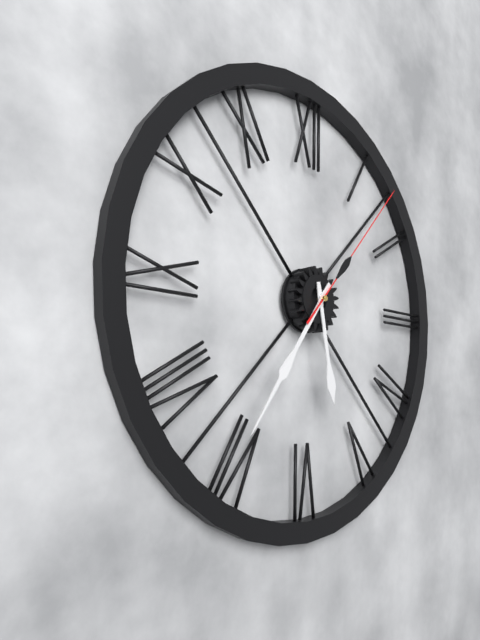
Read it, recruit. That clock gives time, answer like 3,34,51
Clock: 5,36,07
